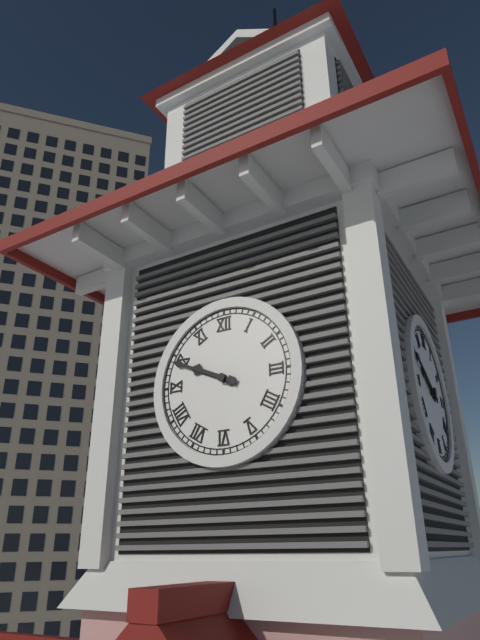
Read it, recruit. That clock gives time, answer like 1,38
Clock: 9,49
